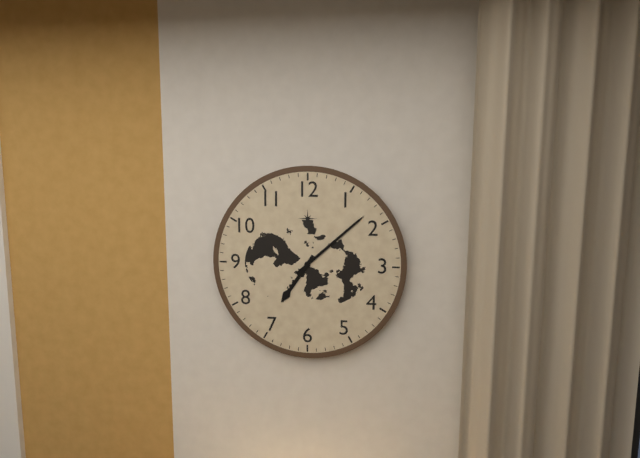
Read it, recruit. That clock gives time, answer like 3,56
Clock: 7,08
